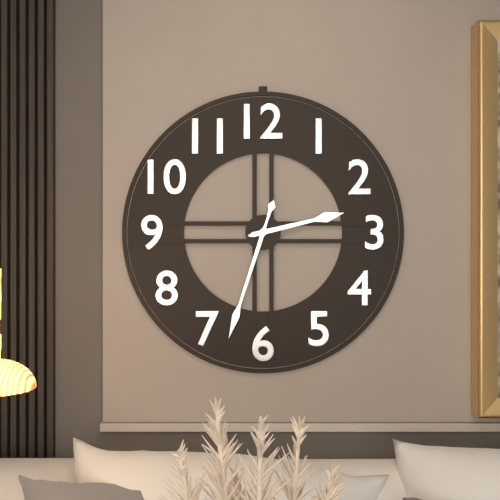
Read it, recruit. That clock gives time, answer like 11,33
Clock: 2,33
